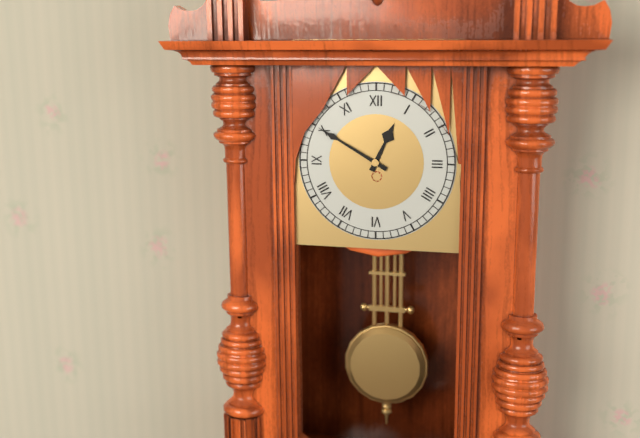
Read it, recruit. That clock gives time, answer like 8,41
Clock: 12,50
